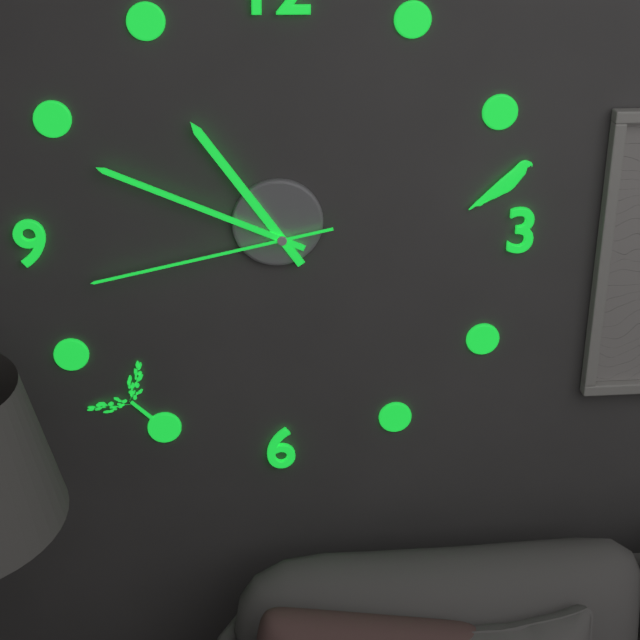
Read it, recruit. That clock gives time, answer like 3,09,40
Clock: 10,49,43
